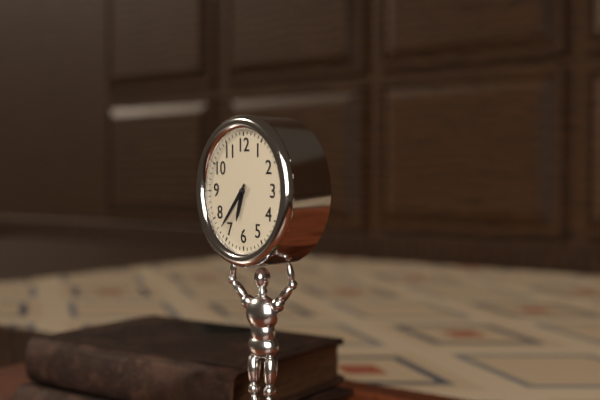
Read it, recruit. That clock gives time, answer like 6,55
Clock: 6,37
